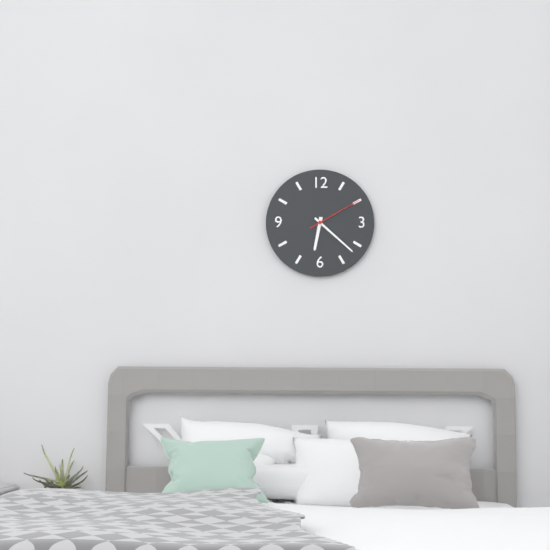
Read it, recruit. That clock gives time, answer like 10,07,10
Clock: 6,22,10
